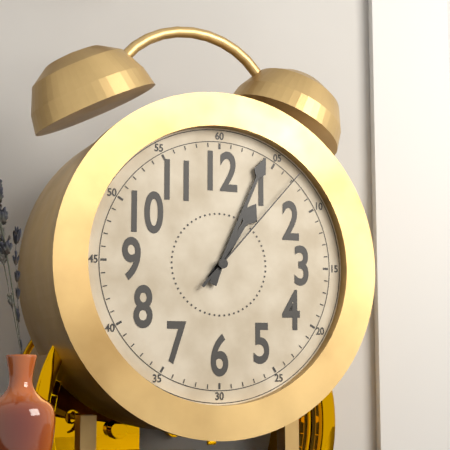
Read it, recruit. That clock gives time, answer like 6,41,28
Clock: 1,04,07
